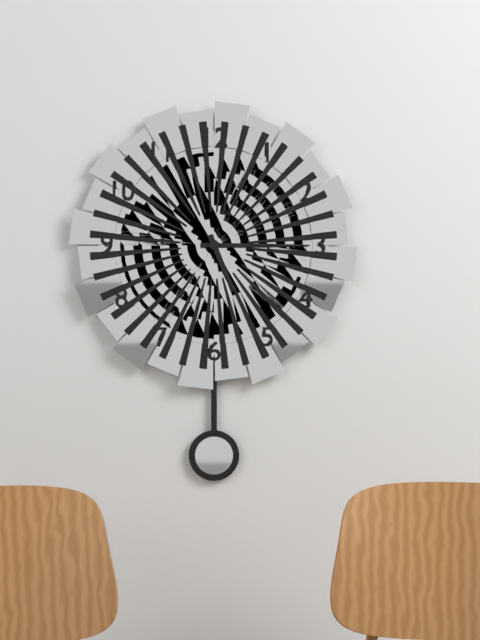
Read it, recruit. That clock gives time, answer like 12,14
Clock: 5,15
